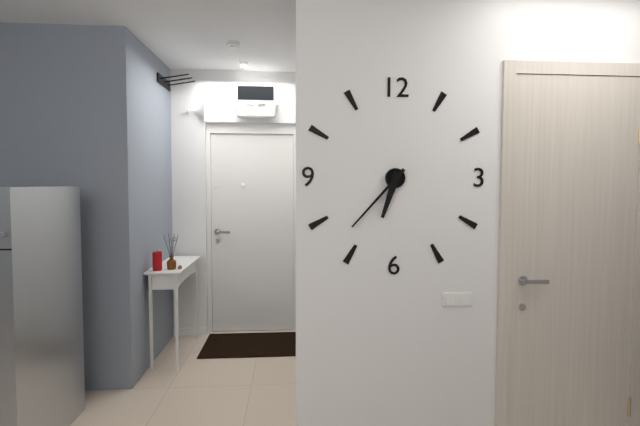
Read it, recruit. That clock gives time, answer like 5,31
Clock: 6,37
